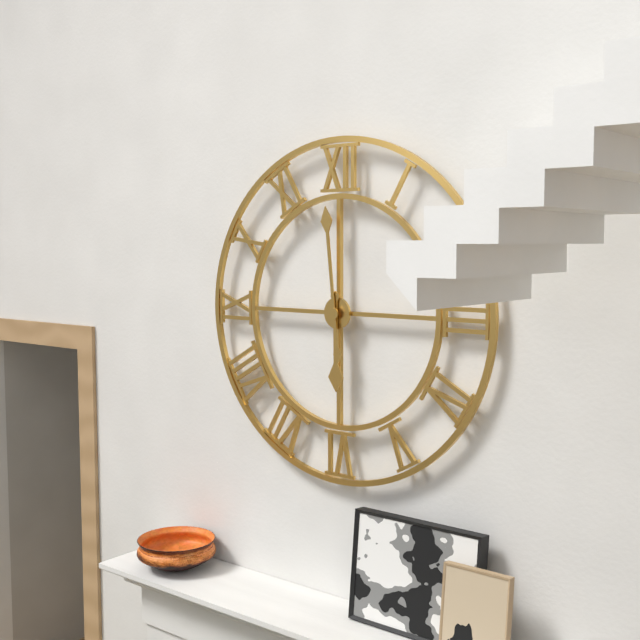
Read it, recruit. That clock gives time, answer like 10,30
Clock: 5,59
